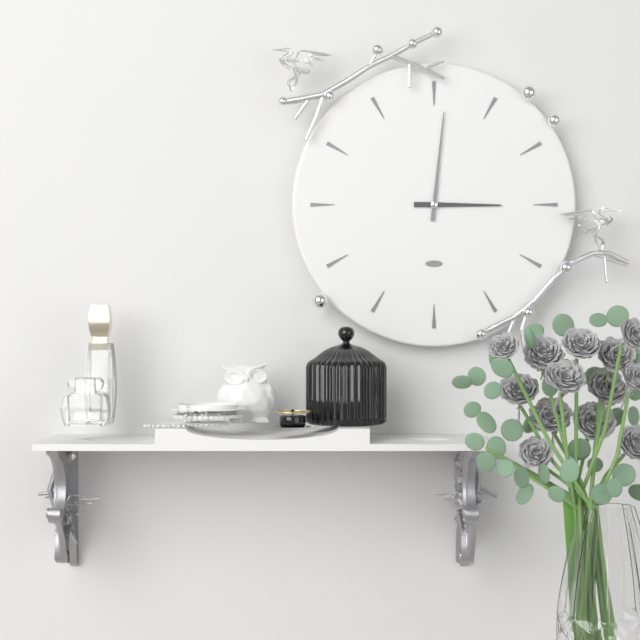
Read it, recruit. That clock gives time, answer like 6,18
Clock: 3,01
